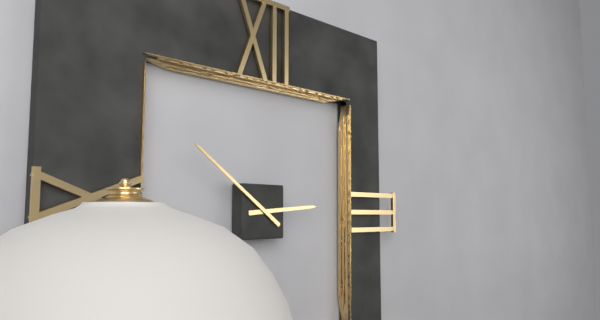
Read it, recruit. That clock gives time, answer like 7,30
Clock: 2,51
